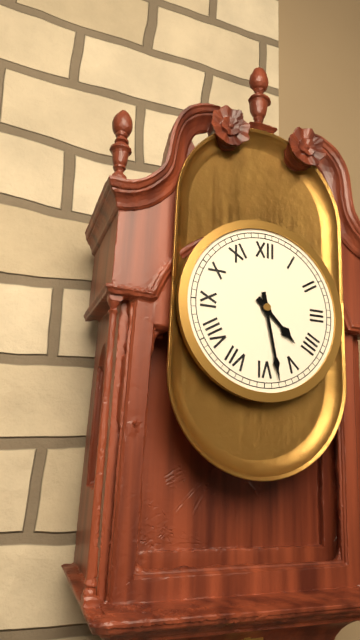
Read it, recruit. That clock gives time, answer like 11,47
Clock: 4,28
